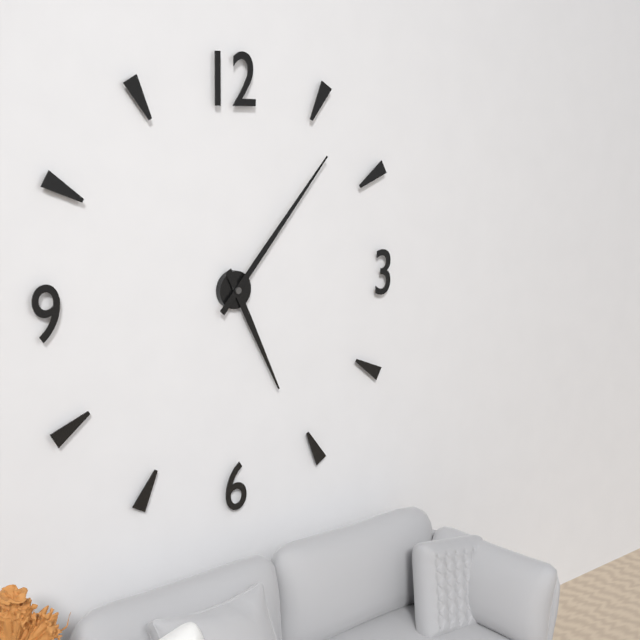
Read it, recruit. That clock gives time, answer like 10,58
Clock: 5,07
